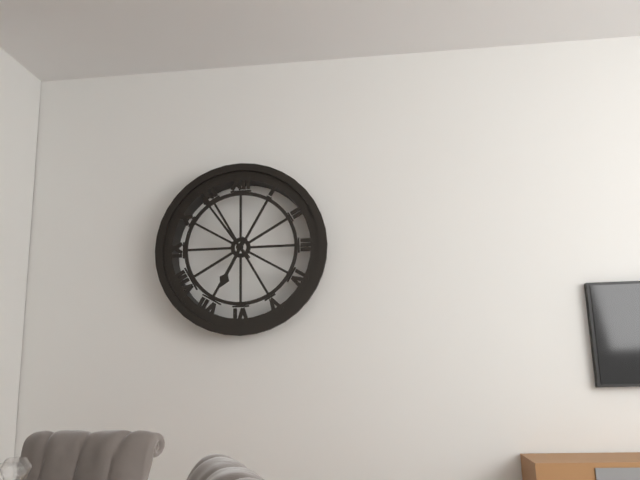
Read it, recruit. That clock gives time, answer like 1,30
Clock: 6,54
